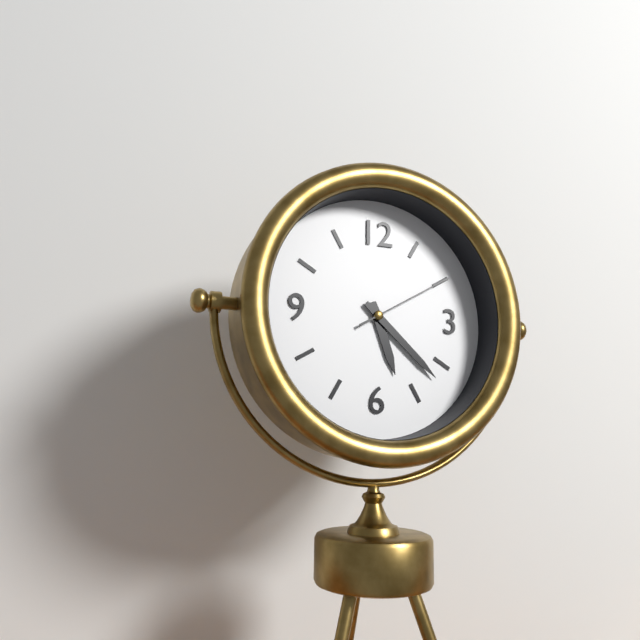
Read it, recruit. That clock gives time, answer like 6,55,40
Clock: 5,22,10
